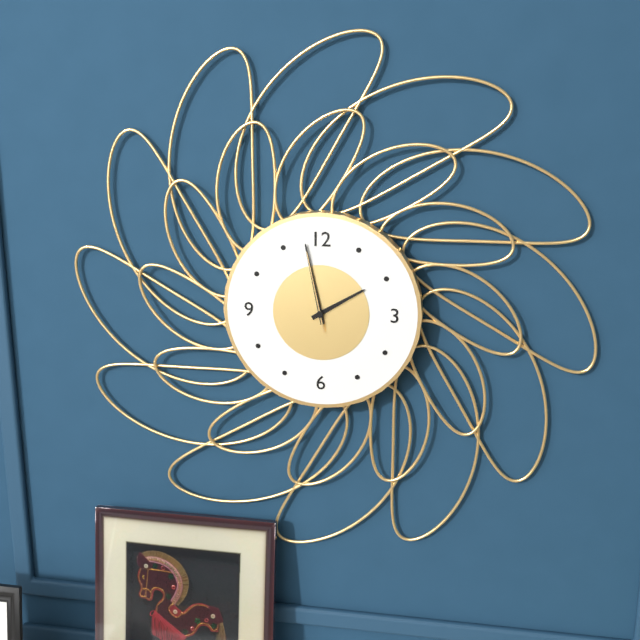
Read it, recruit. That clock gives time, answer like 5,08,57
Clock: 1,58,58
